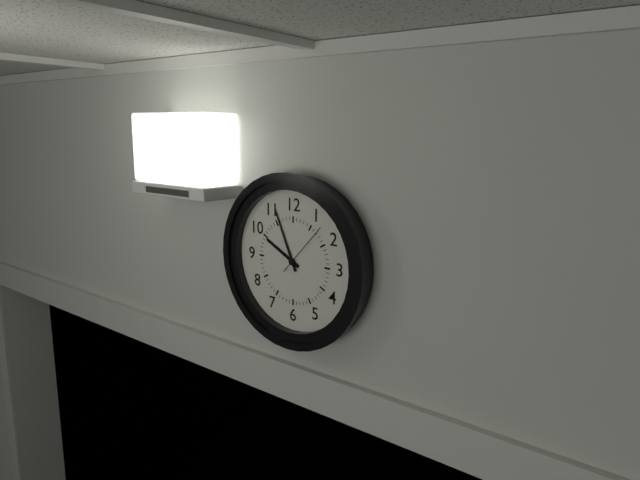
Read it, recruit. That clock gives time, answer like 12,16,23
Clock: 9,56,07
